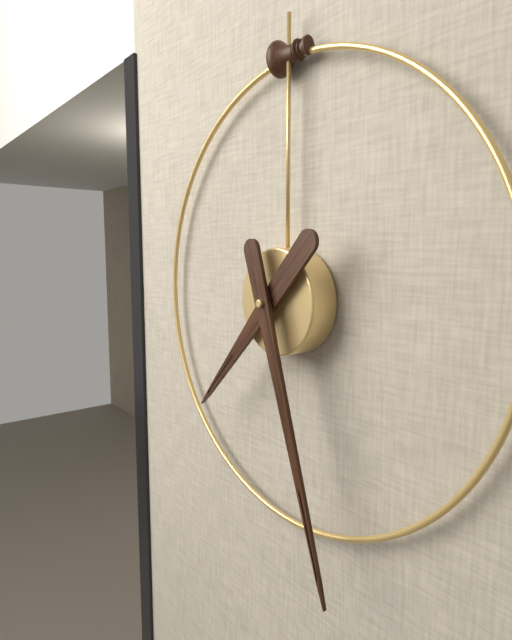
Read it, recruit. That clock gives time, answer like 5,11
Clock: 7,27
